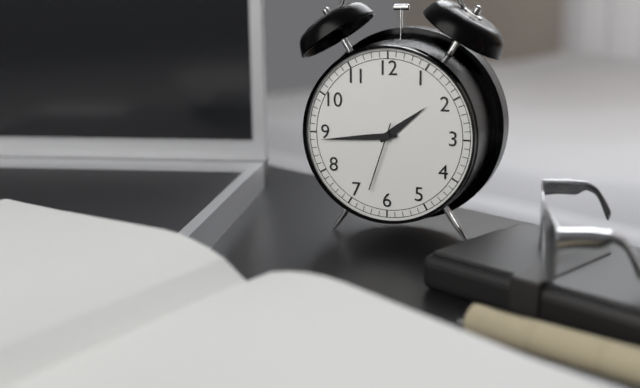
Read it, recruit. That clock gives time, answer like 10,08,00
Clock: 1,44,33
